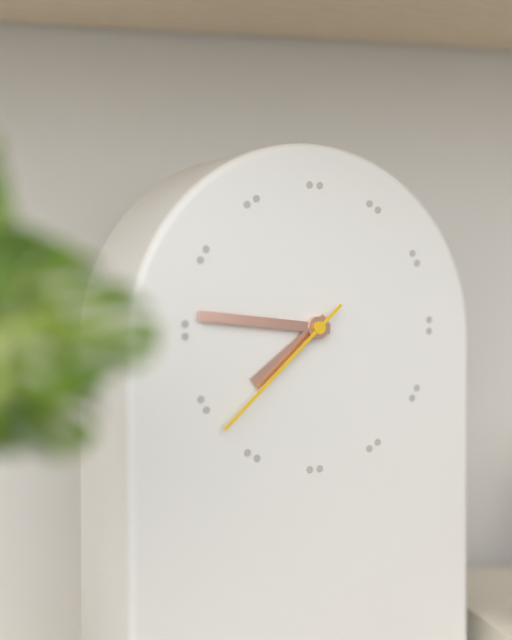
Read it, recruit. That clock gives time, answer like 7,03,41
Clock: 7,46,38
